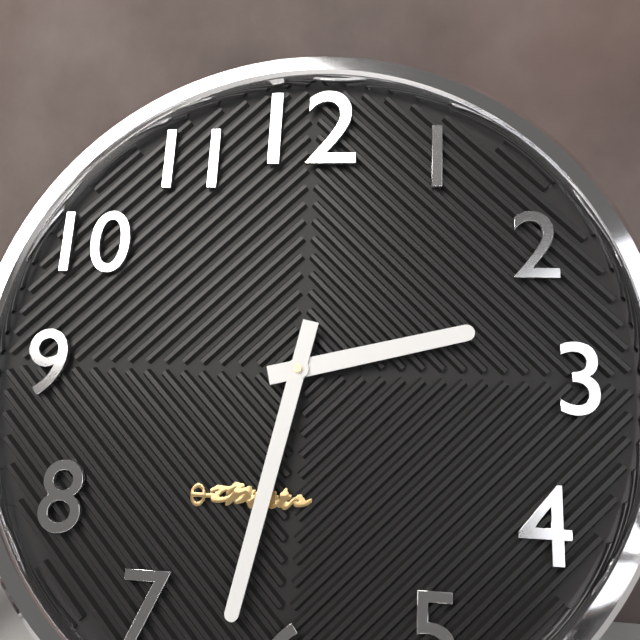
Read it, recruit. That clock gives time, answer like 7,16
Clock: 2,32
